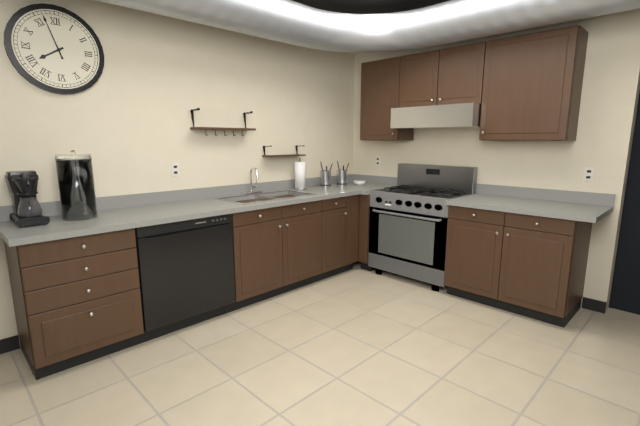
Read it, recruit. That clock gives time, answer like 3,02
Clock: 7,57
